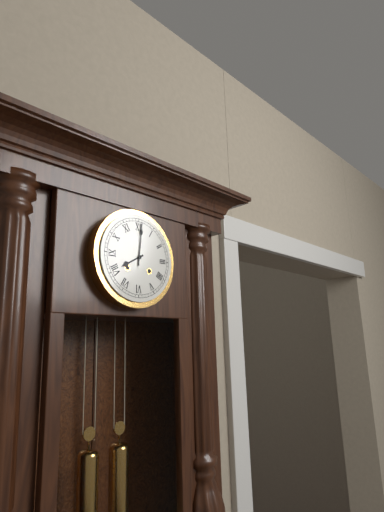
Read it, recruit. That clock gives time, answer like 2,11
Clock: 8,01
